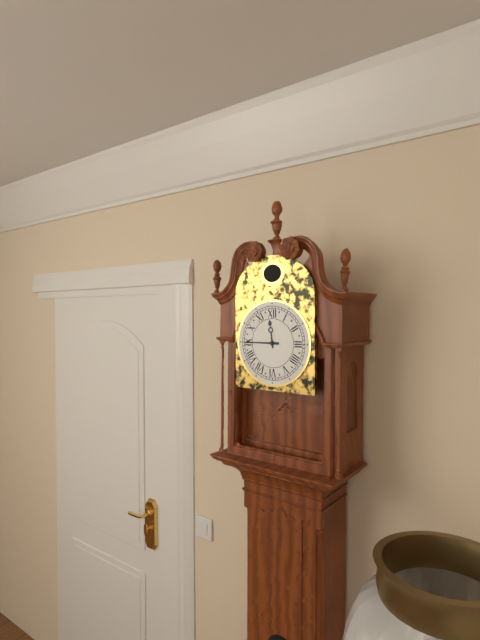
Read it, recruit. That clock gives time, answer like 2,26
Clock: 11,45
